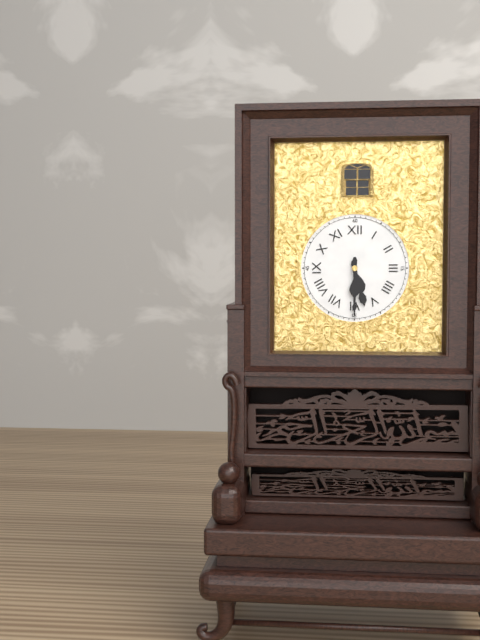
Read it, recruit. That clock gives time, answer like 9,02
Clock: 5,30
